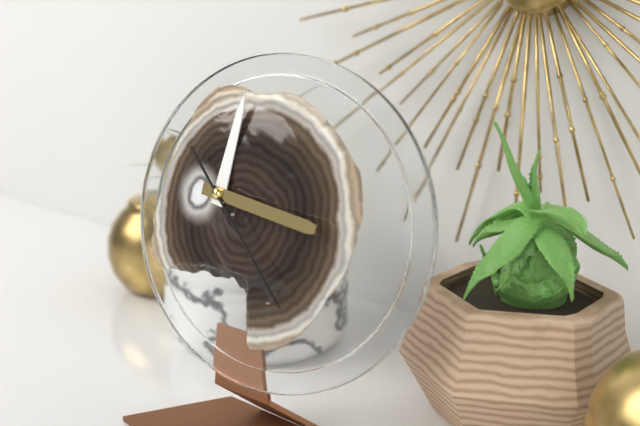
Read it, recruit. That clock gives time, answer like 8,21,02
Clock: 12,16,22
